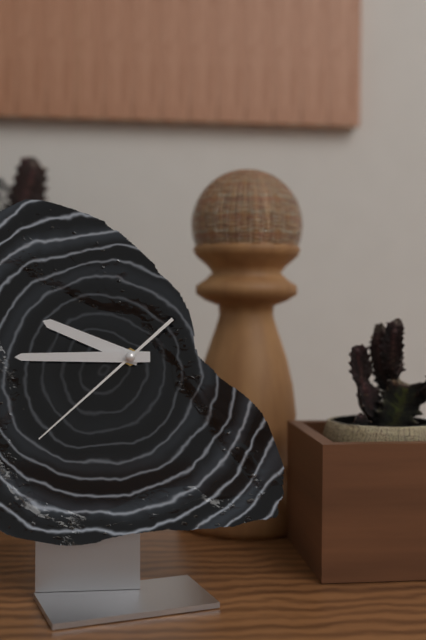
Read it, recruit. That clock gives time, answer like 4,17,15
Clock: 9,45,38
